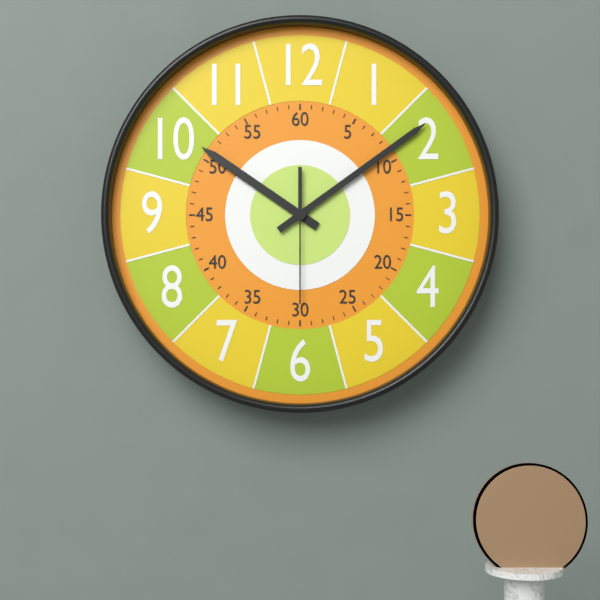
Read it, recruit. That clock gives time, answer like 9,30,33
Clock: 10,09,30
